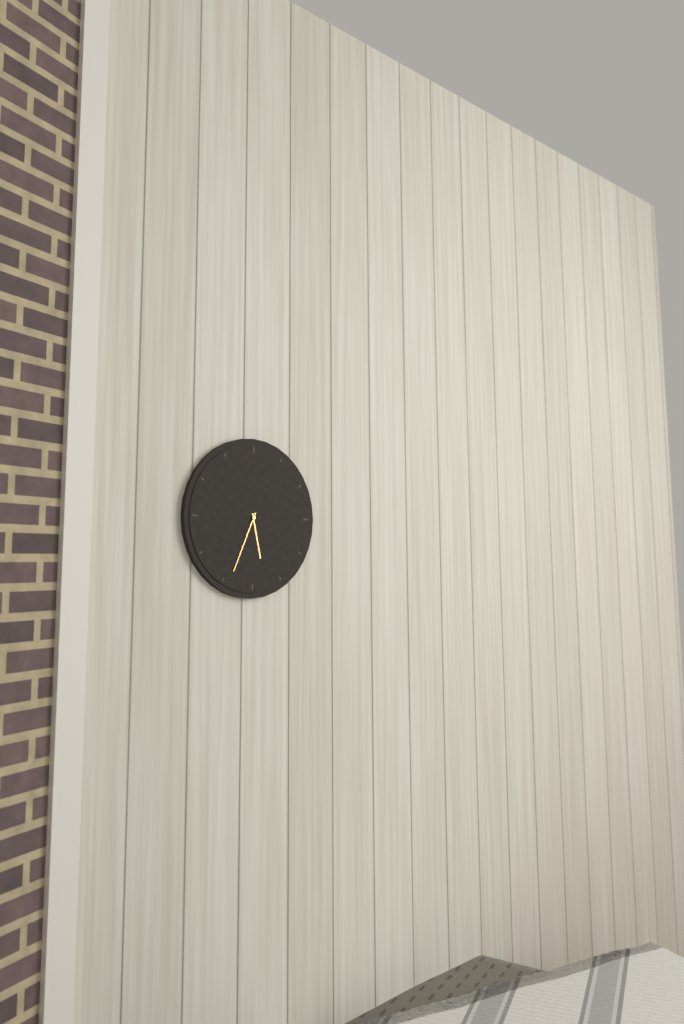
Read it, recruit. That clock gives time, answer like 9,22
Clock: 5,34
